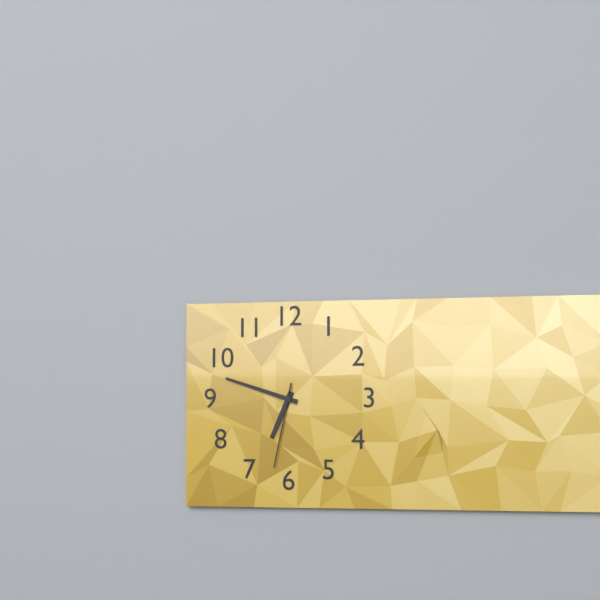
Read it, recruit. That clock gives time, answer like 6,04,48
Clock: 6,48,32
